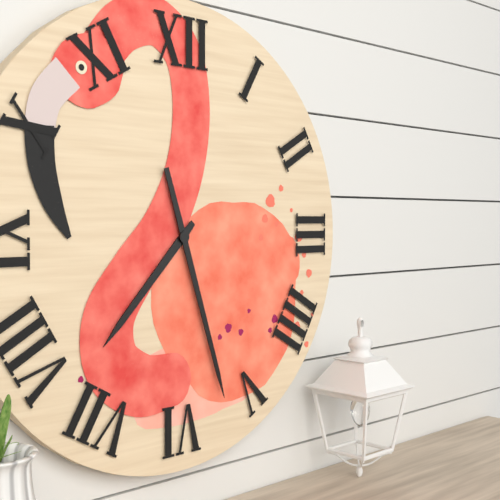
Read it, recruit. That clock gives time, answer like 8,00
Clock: 7,27
